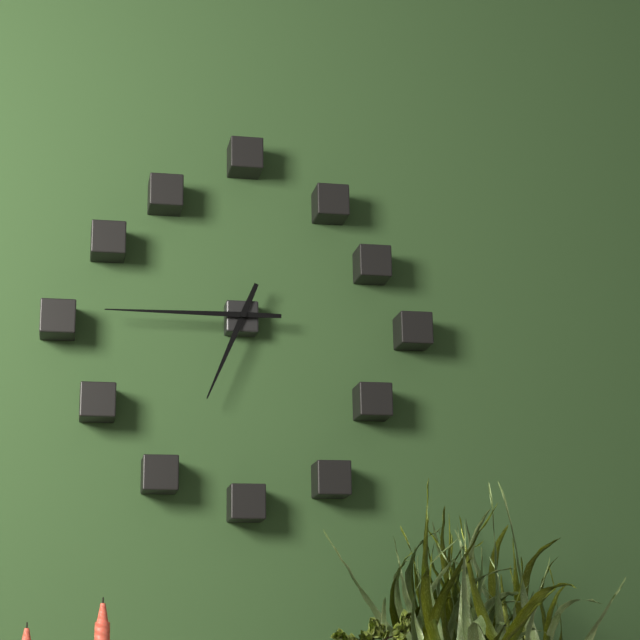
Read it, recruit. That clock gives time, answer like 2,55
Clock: 6,45
